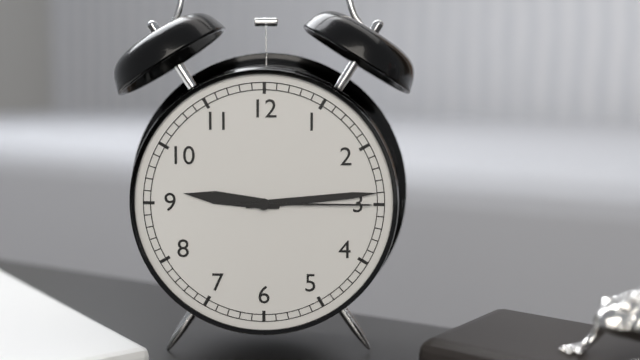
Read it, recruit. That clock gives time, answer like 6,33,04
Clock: 9,14,15
